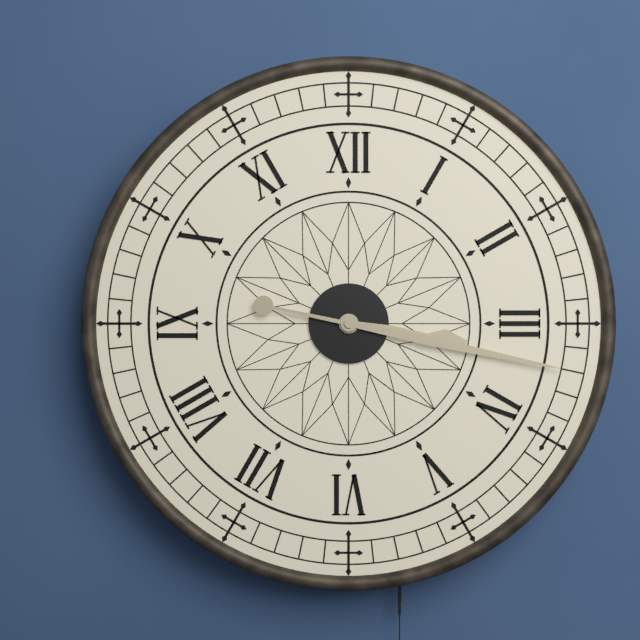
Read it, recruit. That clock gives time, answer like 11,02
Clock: 3,17
